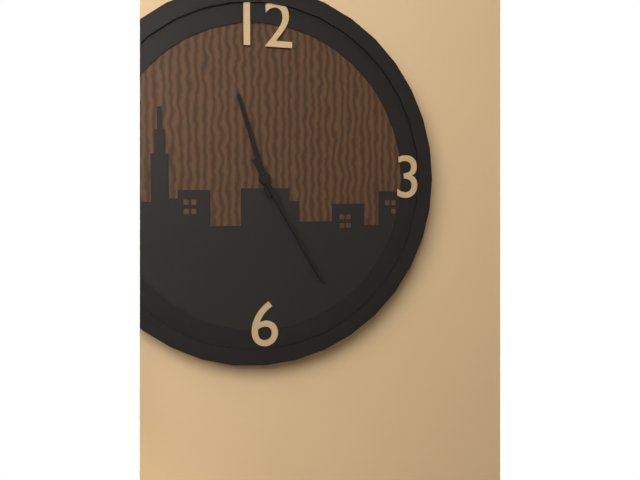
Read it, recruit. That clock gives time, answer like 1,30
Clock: 11,25
